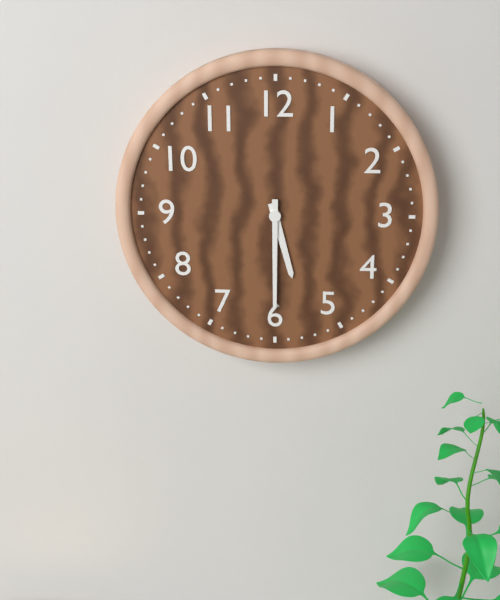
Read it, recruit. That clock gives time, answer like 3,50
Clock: 5,30
